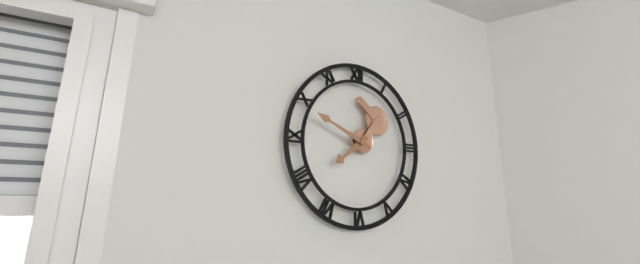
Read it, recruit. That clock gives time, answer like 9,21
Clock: 7,49
